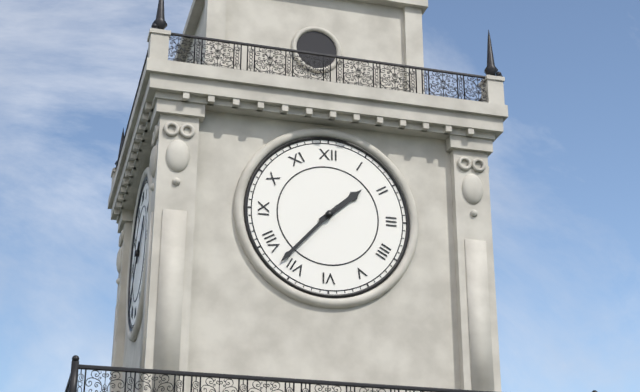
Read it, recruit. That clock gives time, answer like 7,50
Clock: 1,37
